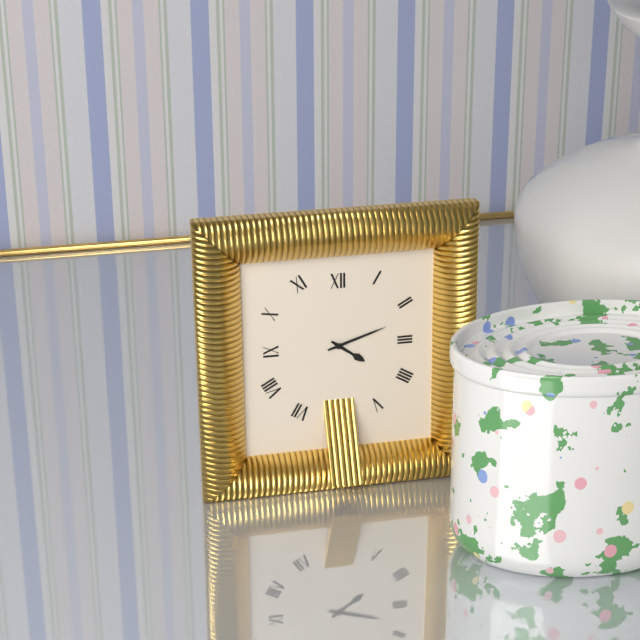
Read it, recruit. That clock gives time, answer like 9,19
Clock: 4,12
